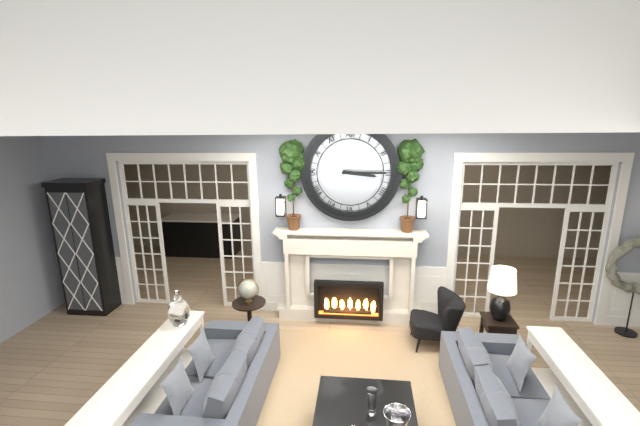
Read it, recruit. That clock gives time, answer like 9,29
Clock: 3,15
